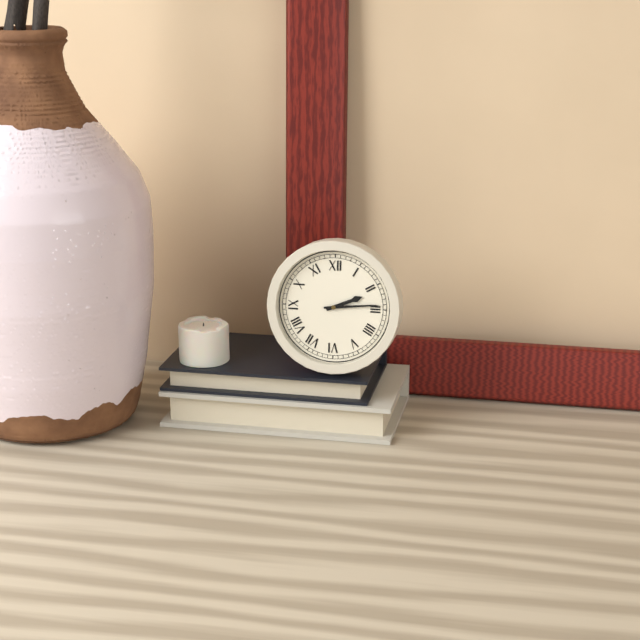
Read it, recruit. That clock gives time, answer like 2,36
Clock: 2,14
